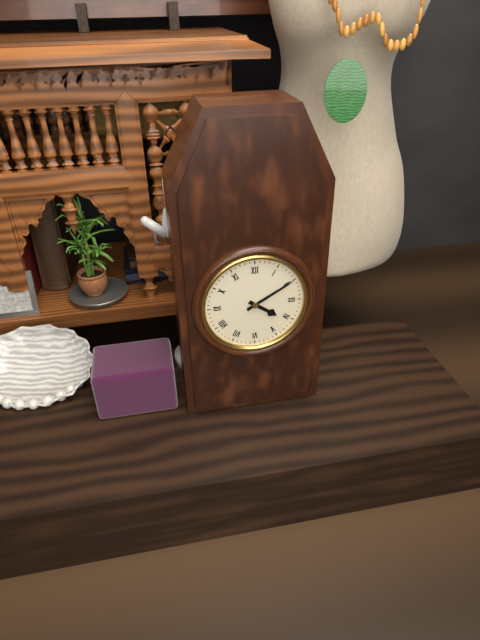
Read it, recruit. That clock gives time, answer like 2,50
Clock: 4,10
